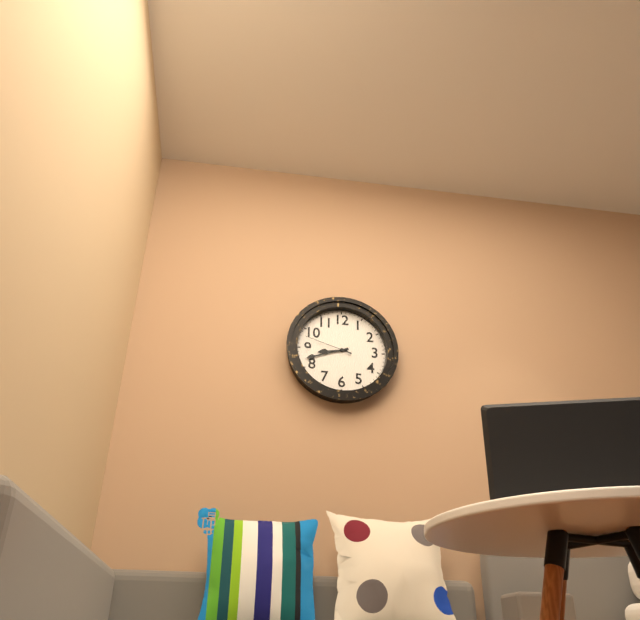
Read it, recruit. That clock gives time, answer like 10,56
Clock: 8,42
